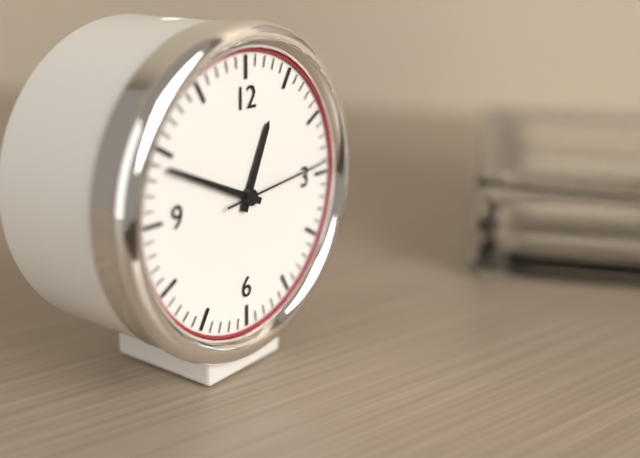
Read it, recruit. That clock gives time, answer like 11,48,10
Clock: 12,49,14
